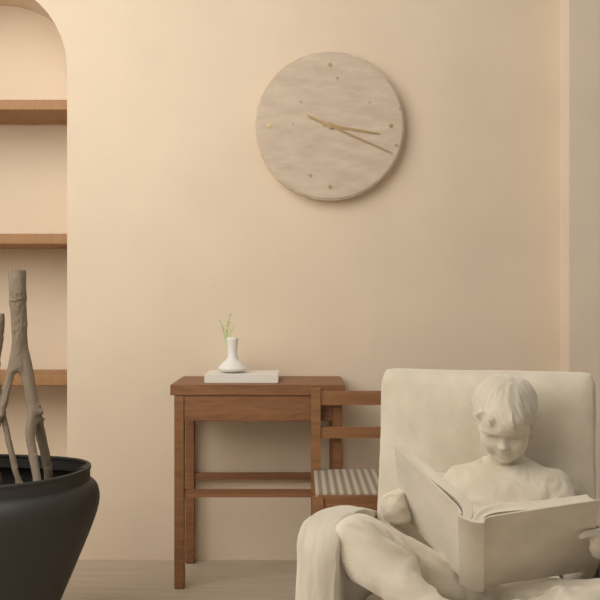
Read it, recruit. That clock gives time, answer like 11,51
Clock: 3,19
